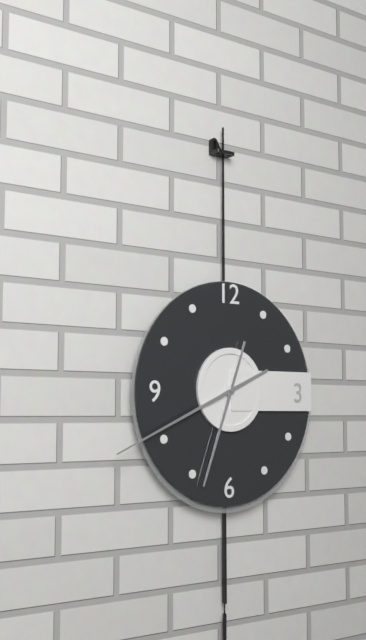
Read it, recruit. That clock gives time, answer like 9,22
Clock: 6,41
